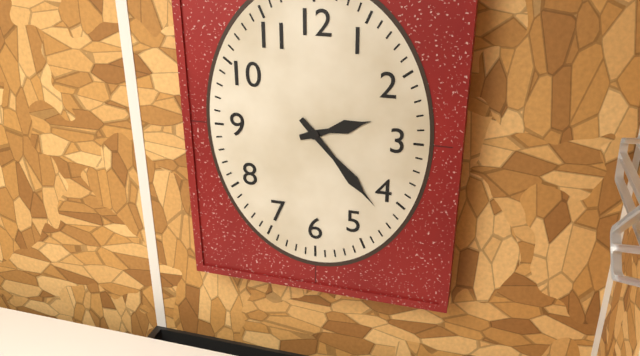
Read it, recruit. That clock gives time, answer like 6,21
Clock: 2,23
